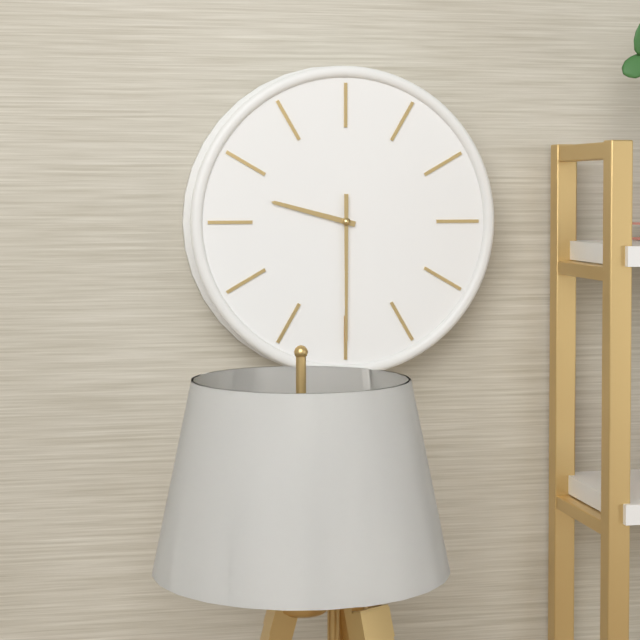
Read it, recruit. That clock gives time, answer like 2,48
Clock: 9,30
